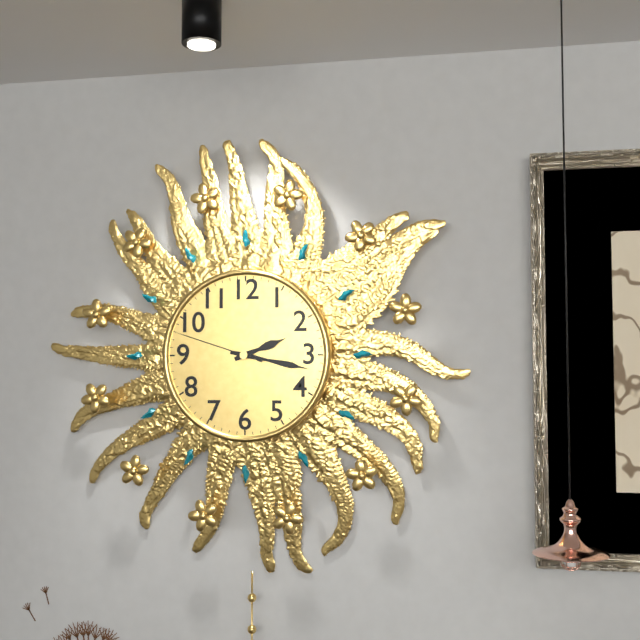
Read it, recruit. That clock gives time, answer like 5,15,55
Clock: 2,17,48
